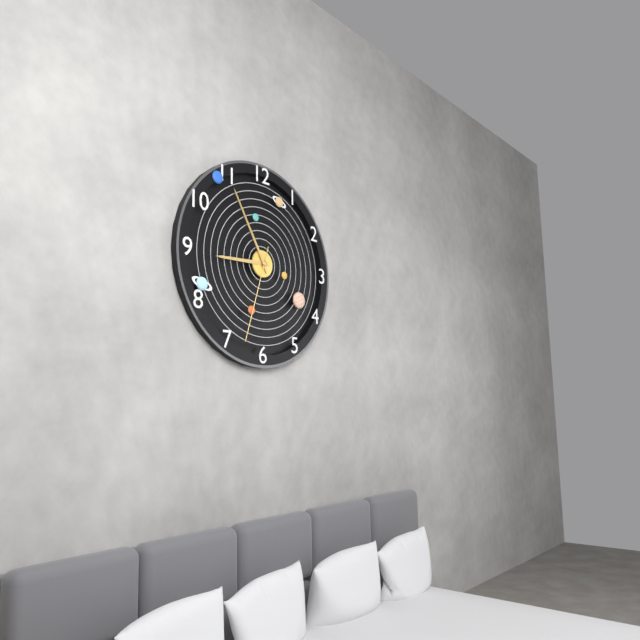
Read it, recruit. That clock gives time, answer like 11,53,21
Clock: 8,55,33
